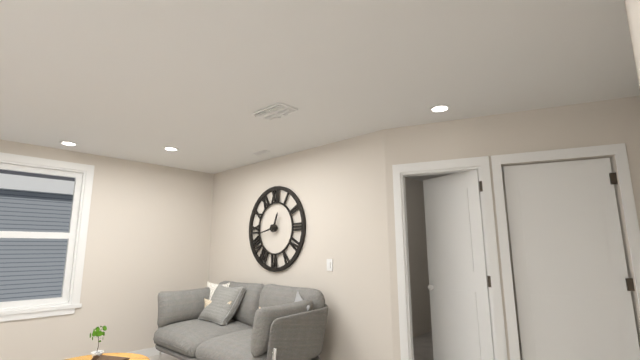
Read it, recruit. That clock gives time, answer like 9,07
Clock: 12,43
